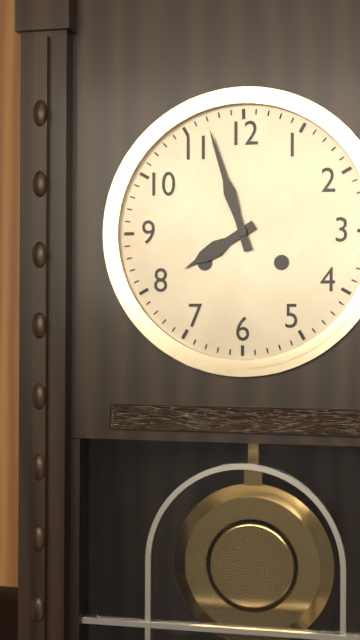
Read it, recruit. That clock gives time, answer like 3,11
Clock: 7,57
